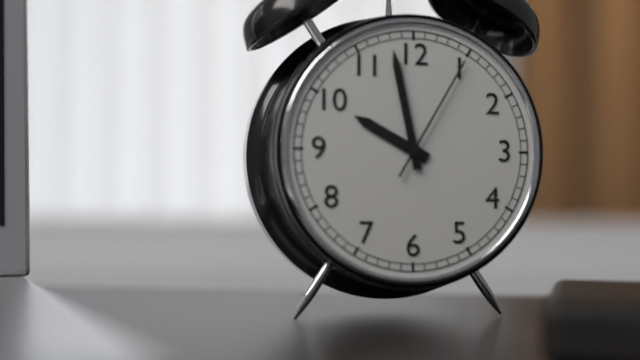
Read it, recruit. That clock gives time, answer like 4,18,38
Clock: 9,58,05
